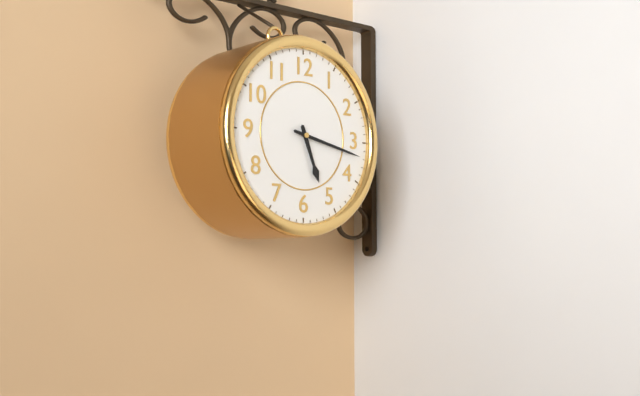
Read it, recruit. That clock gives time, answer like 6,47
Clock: 5,17
